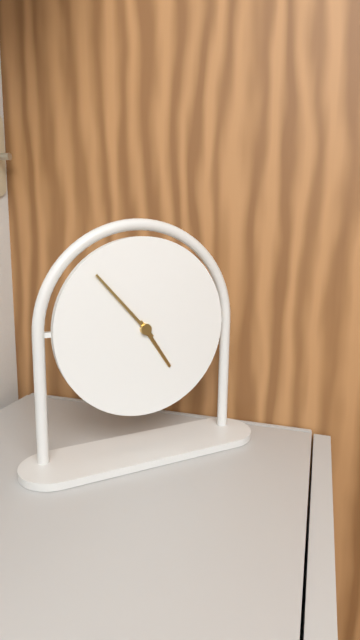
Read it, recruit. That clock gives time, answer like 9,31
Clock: 4,53
